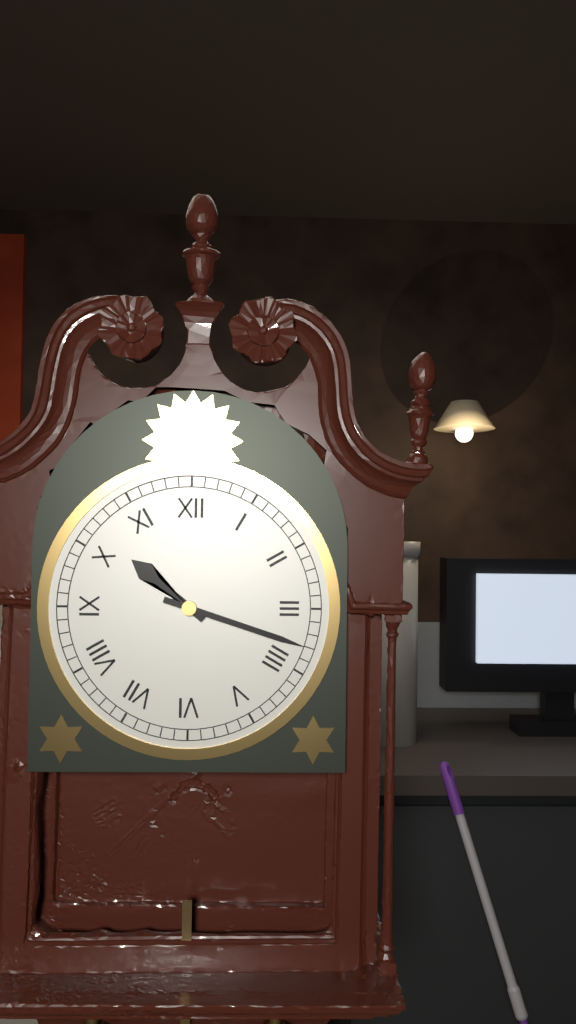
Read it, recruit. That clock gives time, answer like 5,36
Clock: 10,18
